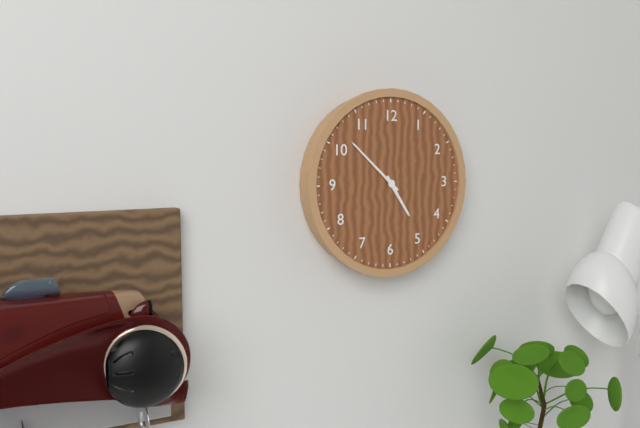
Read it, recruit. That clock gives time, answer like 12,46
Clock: 4,52
